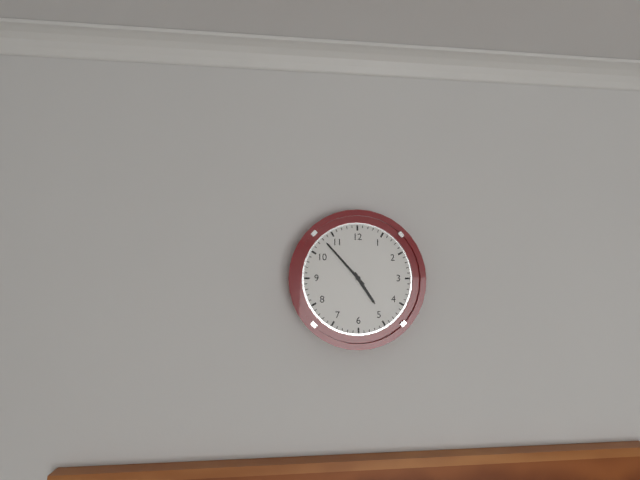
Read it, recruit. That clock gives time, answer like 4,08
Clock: 4,53
